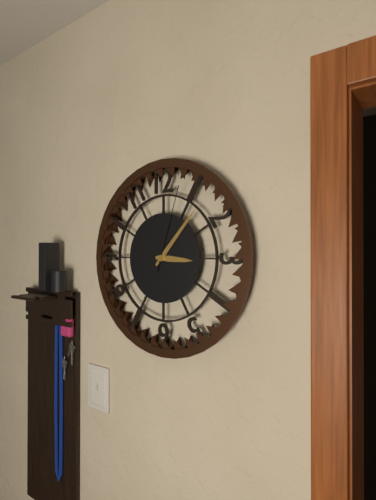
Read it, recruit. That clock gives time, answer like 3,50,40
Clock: 3,07,03
